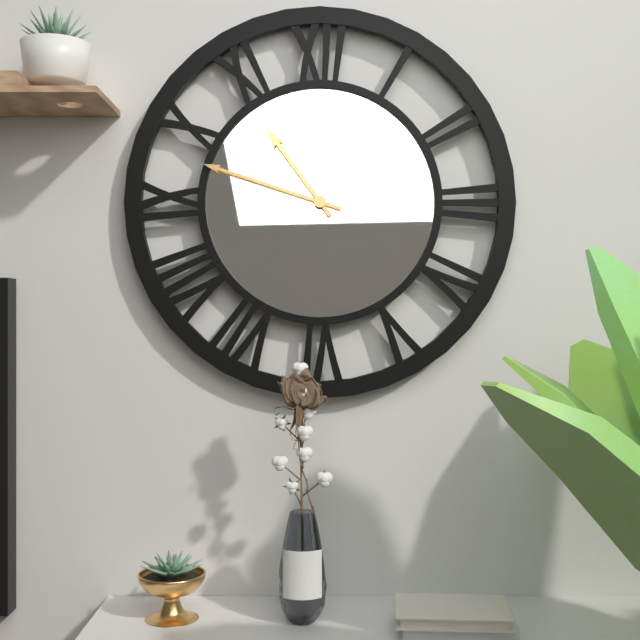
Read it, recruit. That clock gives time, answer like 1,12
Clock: 10,48
